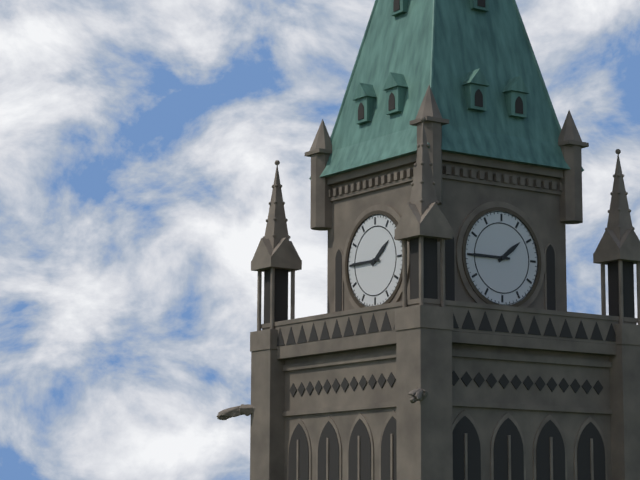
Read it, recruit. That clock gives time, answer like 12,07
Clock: 1,45
